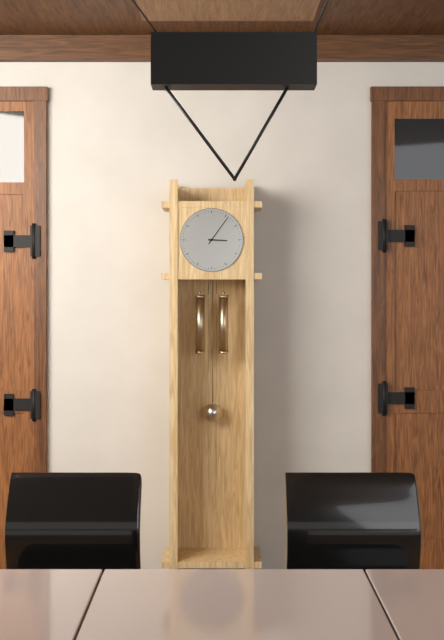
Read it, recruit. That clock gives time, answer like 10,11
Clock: 3,06
